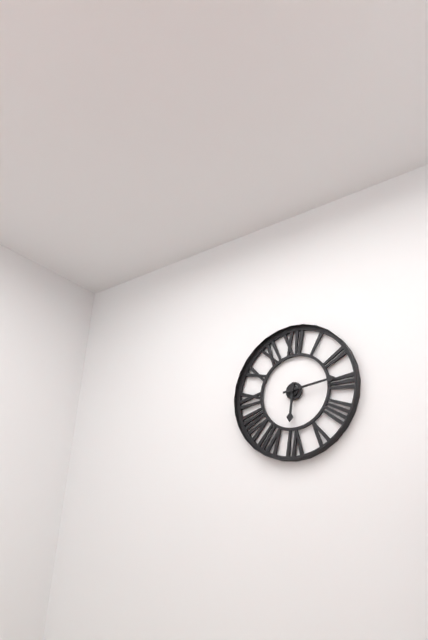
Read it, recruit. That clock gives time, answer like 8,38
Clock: 6,14
